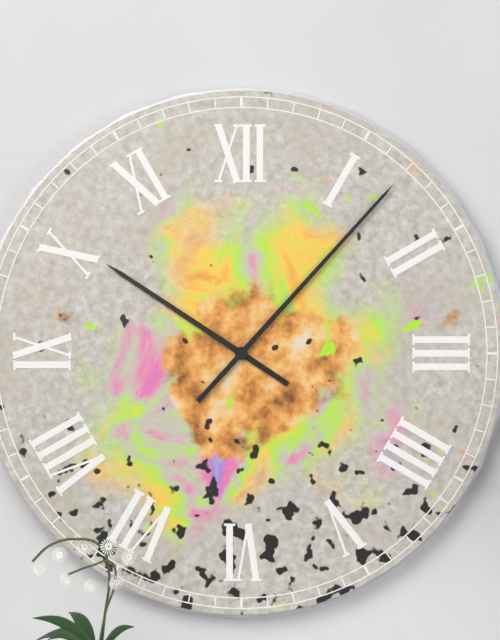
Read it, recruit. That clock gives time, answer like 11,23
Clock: 10,07
